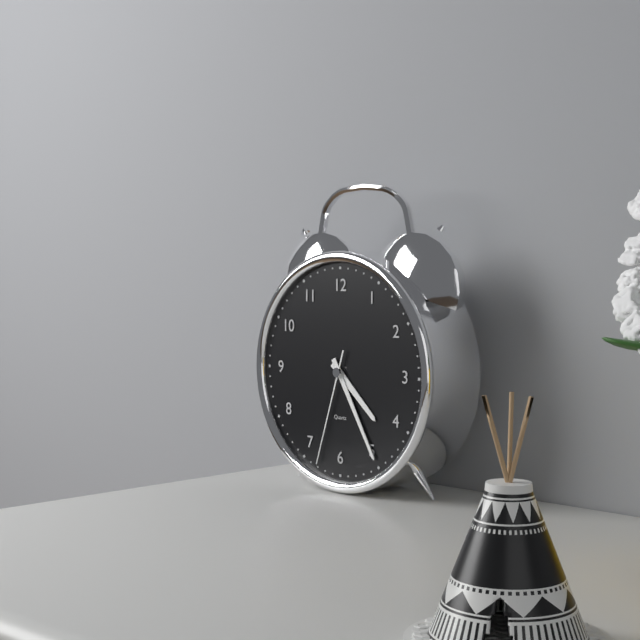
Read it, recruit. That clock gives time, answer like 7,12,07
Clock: 4,25,33
